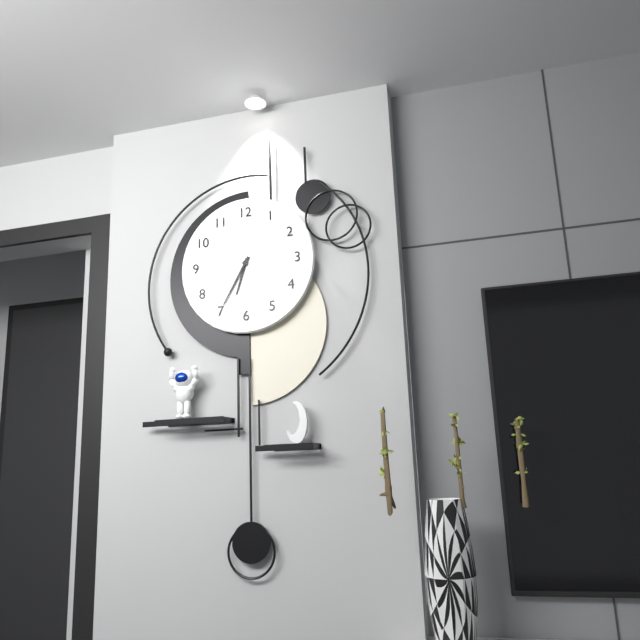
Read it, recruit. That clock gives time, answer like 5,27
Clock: 6,35
